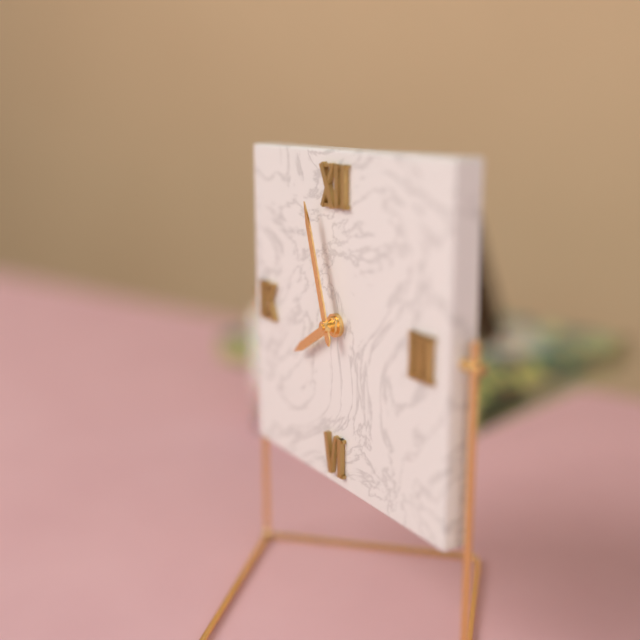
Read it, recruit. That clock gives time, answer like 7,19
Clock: 7,57
